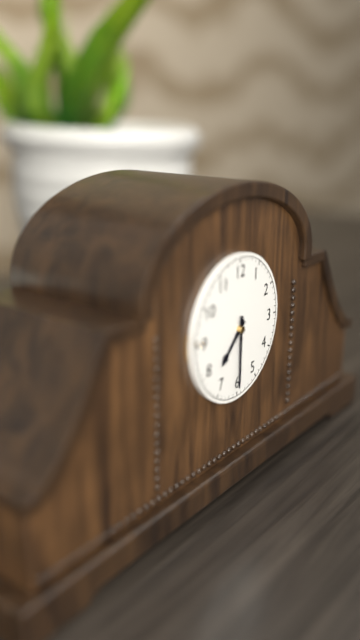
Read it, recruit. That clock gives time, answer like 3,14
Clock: 7,30
